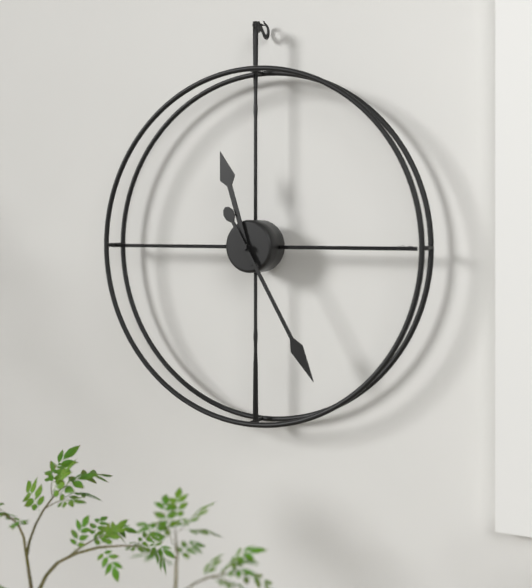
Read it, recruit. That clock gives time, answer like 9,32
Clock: 11,25
